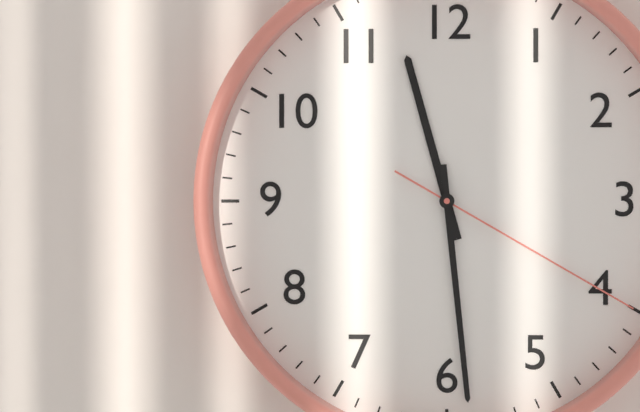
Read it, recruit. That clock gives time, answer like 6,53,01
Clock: 11,29,20
